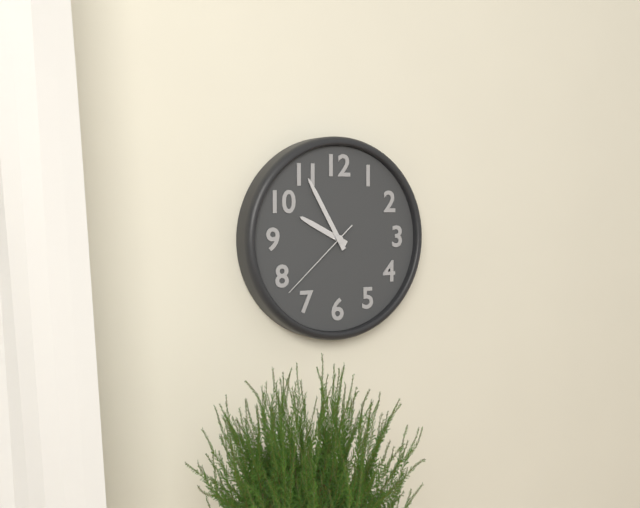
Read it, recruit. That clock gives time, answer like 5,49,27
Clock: 9,55,38
